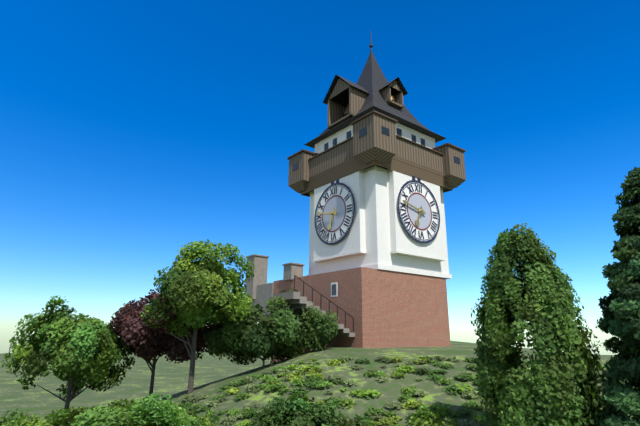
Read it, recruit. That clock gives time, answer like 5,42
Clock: 6,47
